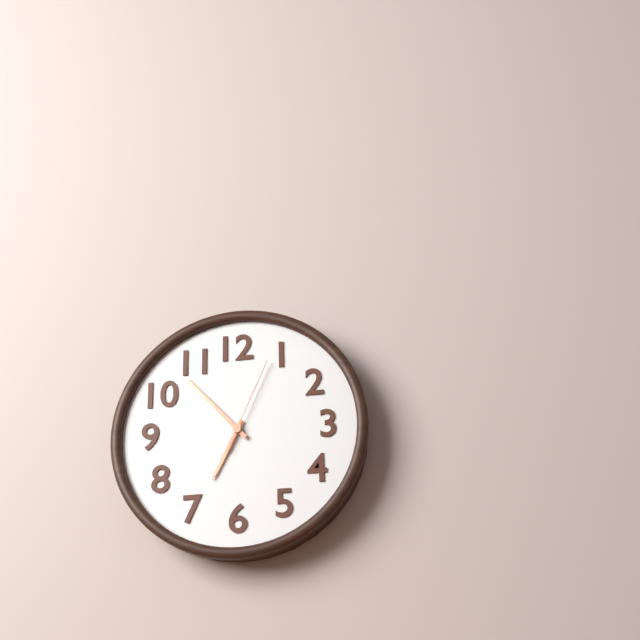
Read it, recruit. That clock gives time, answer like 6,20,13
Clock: 6,53,04
